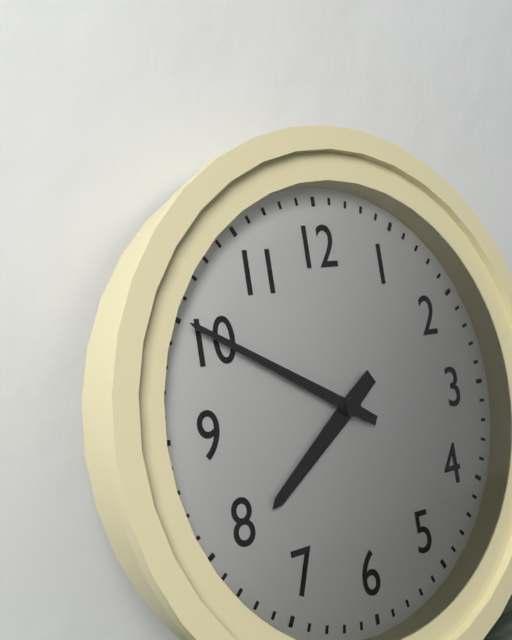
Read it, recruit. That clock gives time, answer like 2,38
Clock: 7,50
